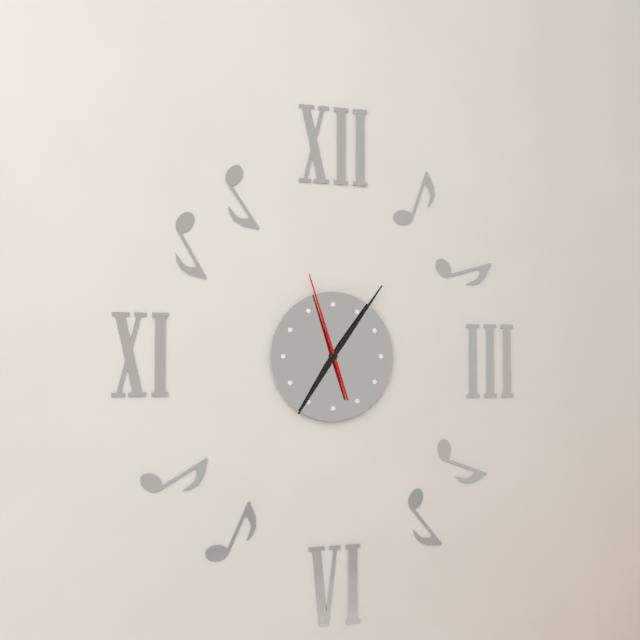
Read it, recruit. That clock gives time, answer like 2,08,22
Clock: 7,06,57
